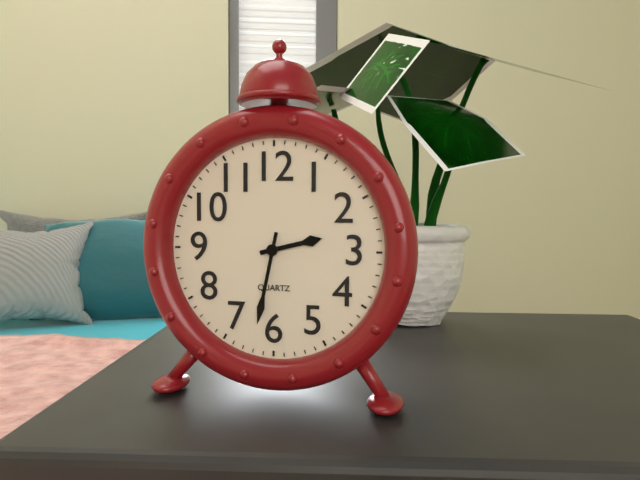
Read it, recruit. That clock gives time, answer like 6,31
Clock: 2,32
